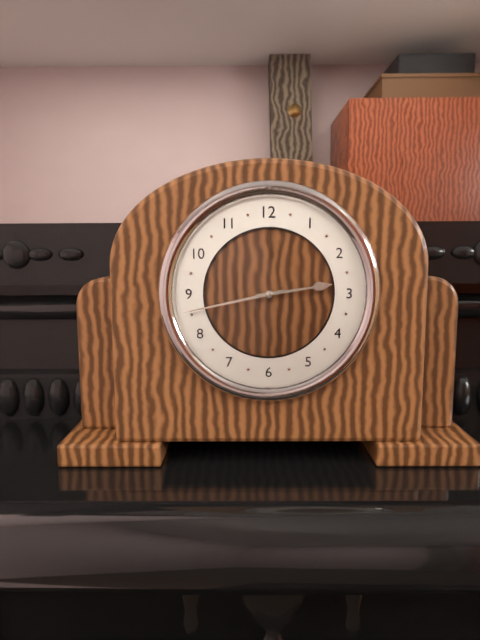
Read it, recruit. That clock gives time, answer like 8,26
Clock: 2,43
